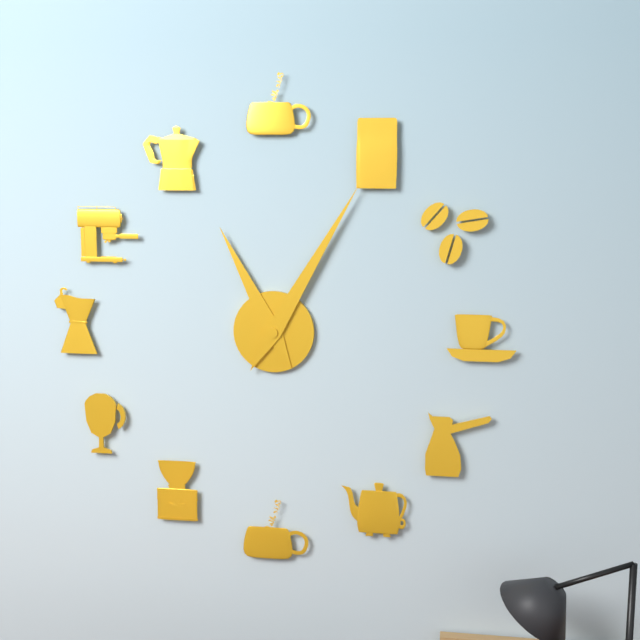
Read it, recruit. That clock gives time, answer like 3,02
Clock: 11,05
